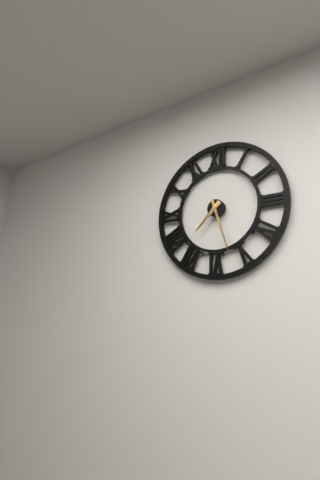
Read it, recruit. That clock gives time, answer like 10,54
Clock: 7,27
